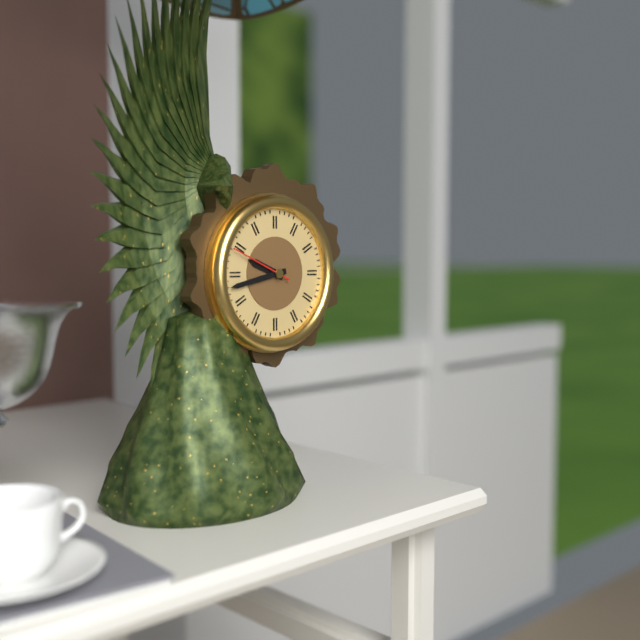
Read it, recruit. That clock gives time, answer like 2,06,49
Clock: 9,43,49
